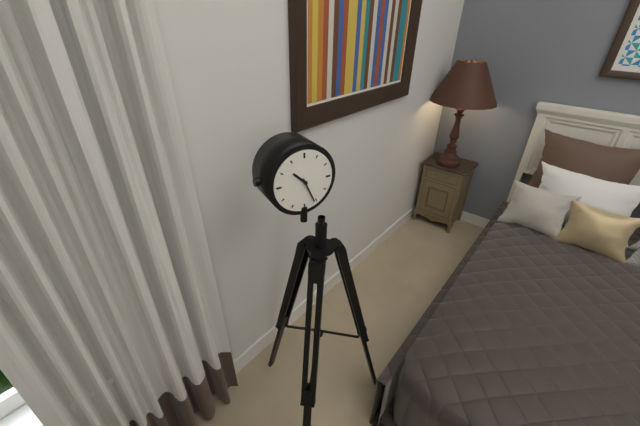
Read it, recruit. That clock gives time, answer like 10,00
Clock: 10,26
